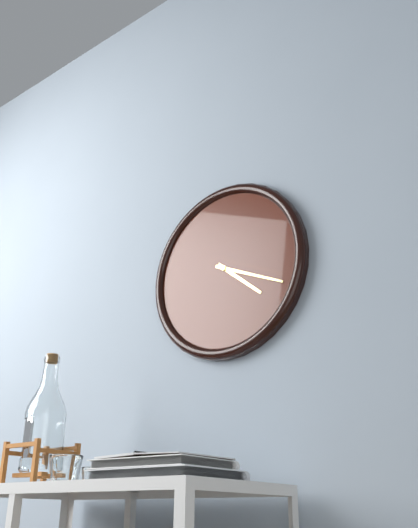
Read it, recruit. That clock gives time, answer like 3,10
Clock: 4,19
